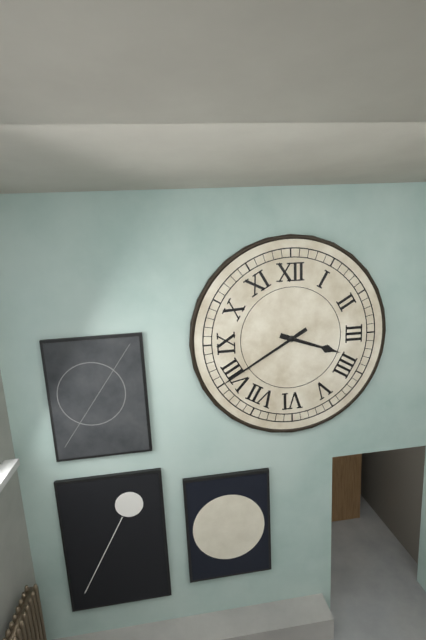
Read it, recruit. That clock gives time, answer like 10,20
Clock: 3,40
